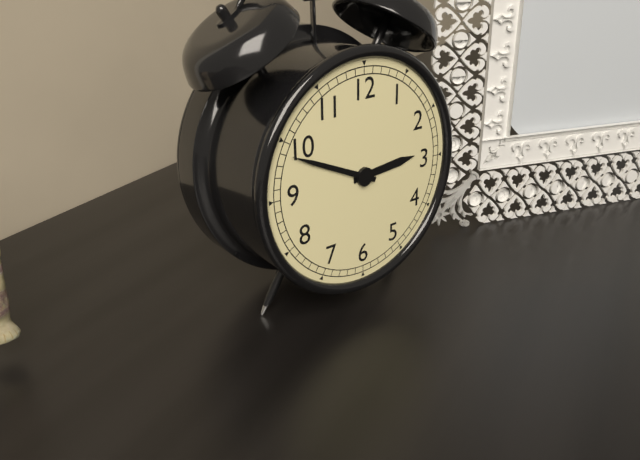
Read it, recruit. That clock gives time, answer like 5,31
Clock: 2,49
